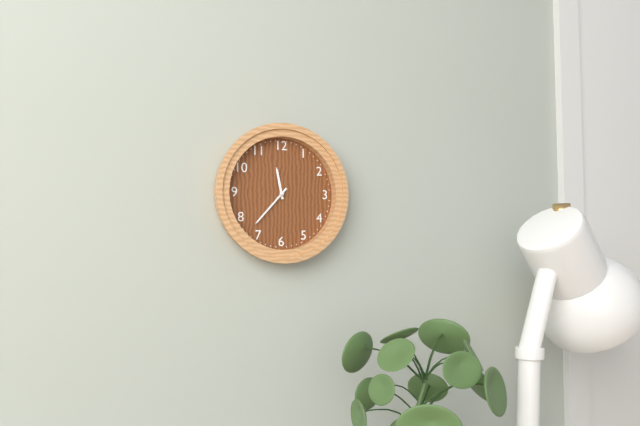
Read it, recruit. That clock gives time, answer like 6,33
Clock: 11,37
